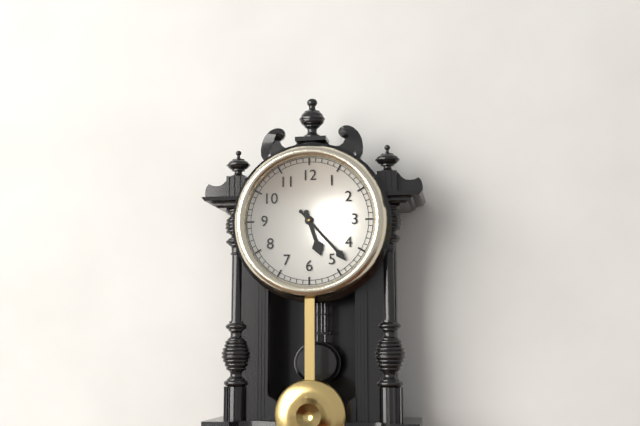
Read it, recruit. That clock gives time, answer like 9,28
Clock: 5,23
